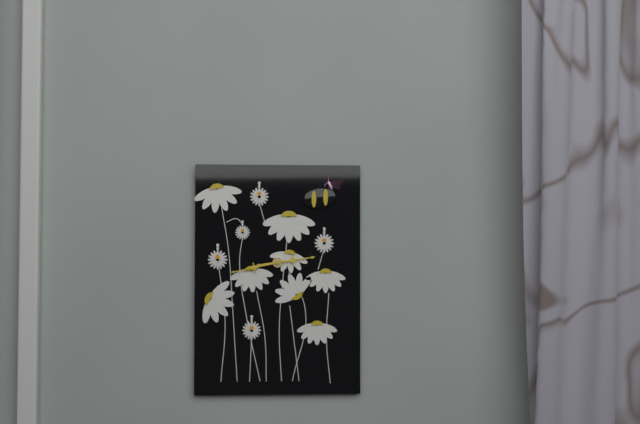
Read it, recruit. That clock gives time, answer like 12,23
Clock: 2,43
